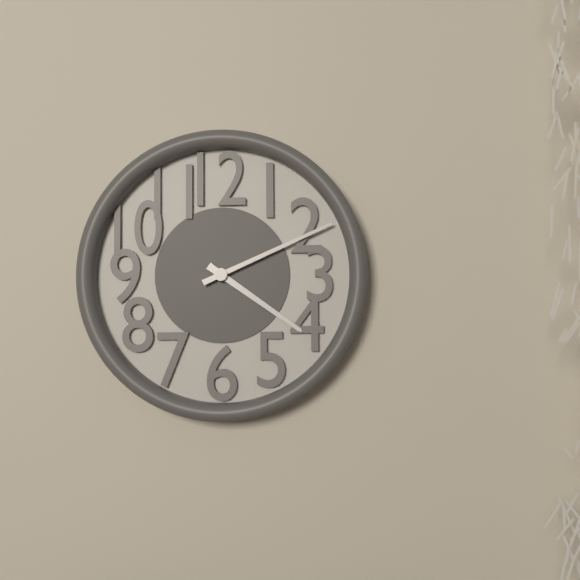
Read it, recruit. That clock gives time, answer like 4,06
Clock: 4,11
